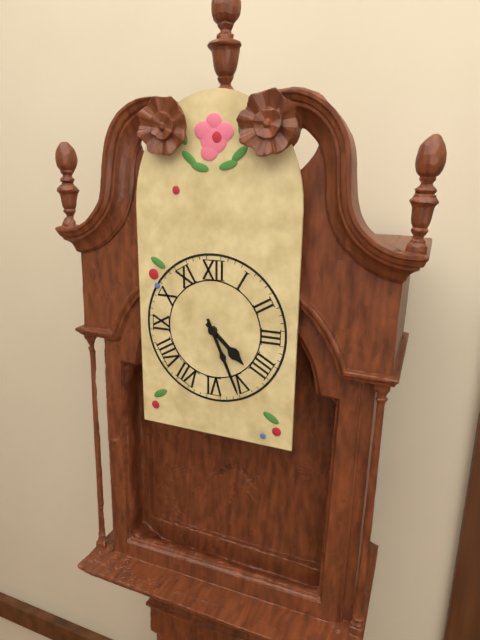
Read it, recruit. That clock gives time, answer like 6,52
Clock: 4,26
